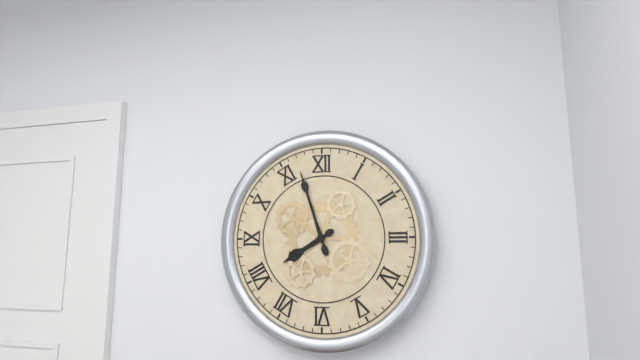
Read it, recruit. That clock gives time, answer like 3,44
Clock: 7,57
